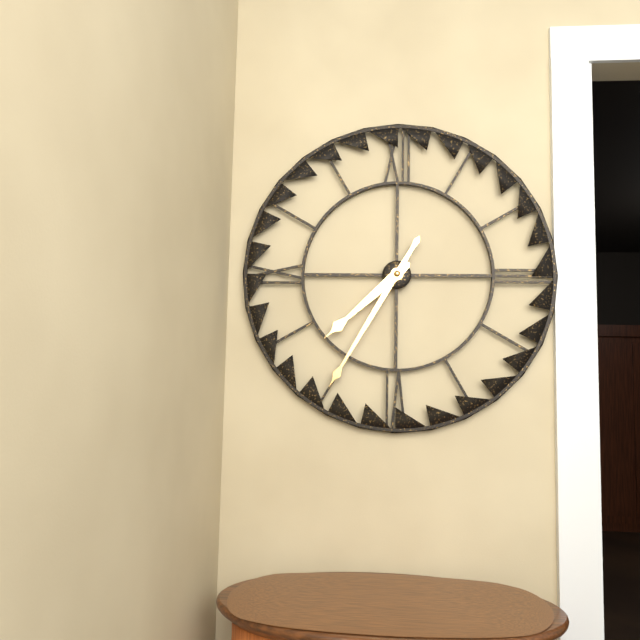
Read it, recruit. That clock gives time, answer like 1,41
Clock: 7,35
